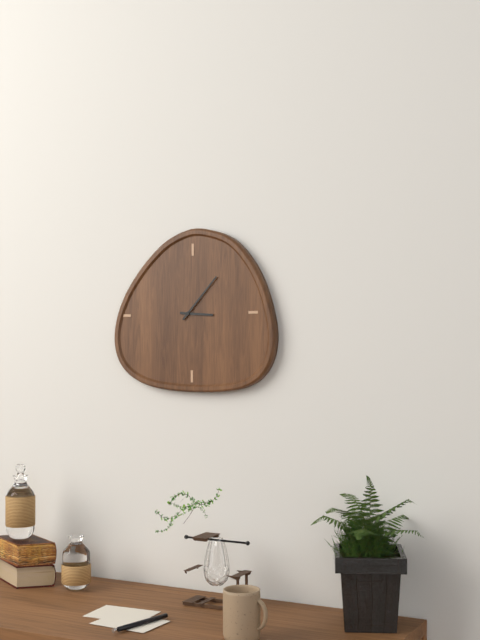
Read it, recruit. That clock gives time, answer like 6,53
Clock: 3,07
